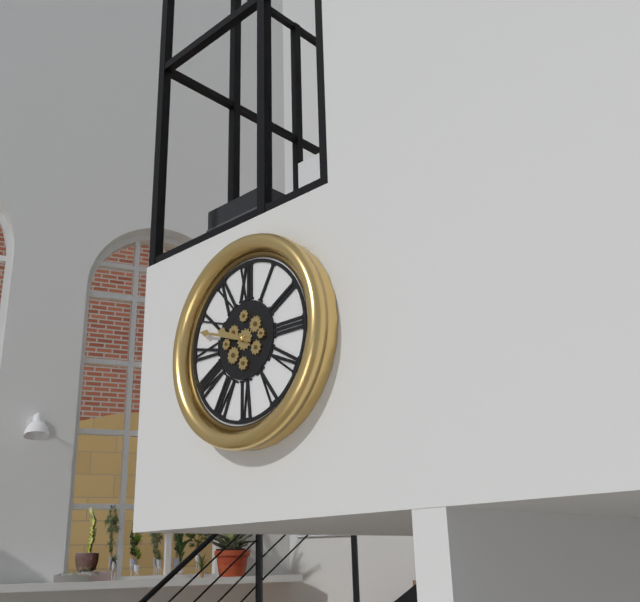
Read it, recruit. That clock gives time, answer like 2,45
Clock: 9,48
